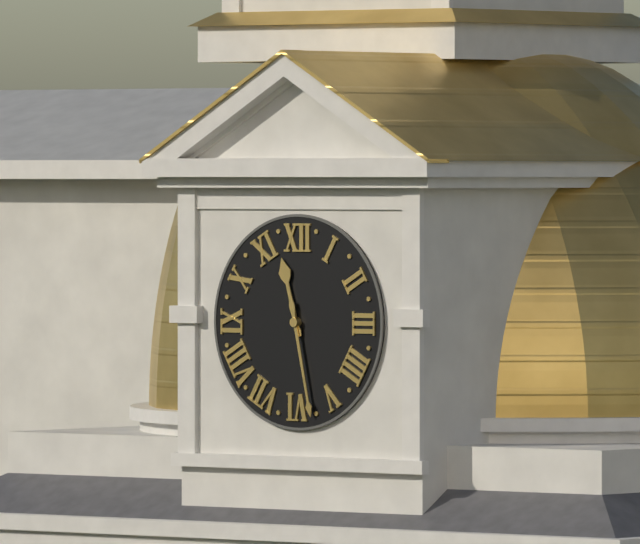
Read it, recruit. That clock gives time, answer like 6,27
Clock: 11,28
